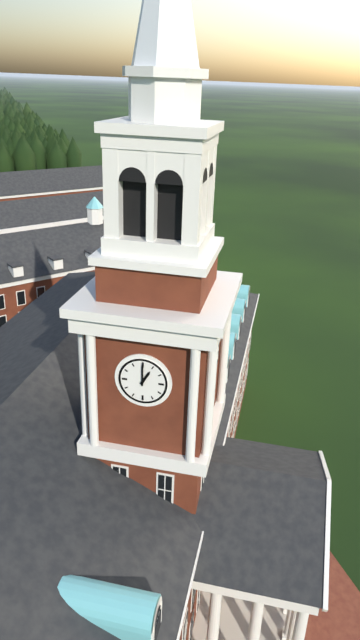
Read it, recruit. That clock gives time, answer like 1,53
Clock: 1,00
